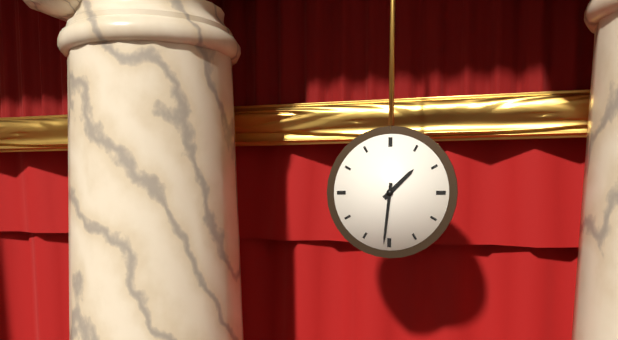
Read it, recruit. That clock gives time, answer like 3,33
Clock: 1,31
